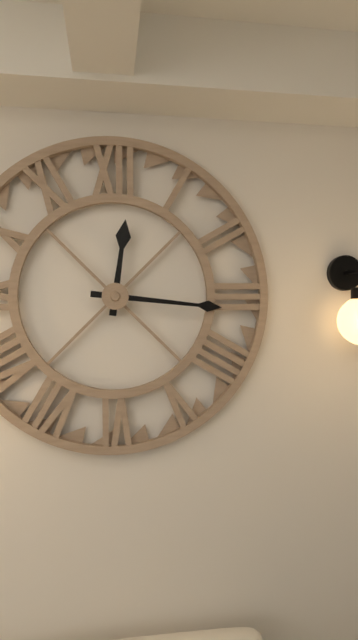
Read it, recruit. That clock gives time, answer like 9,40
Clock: 12,16
